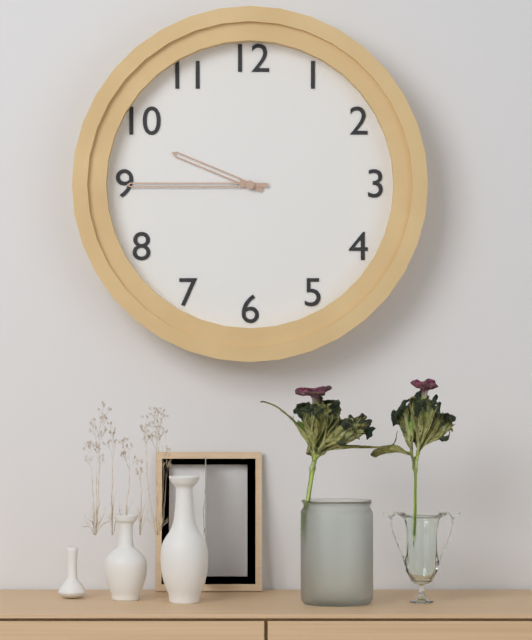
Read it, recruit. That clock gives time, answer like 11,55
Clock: 9,45
